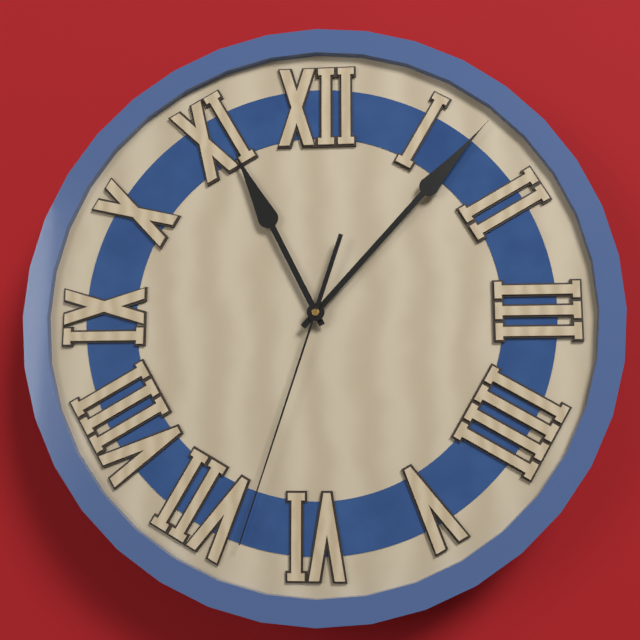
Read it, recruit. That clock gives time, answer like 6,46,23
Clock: 11,07,33
